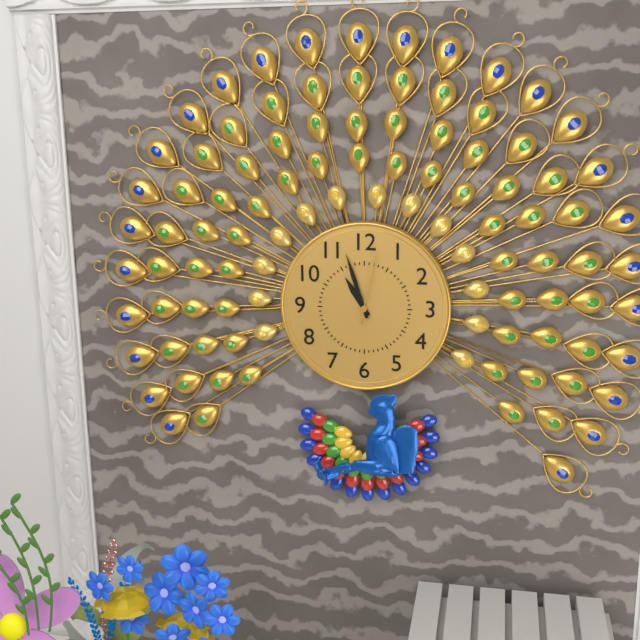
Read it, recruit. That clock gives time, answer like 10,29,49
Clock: 10,57,02
